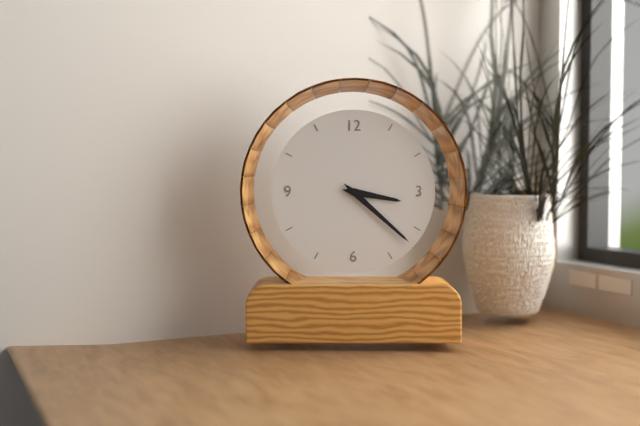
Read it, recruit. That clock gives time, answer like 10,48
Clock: 3,22
